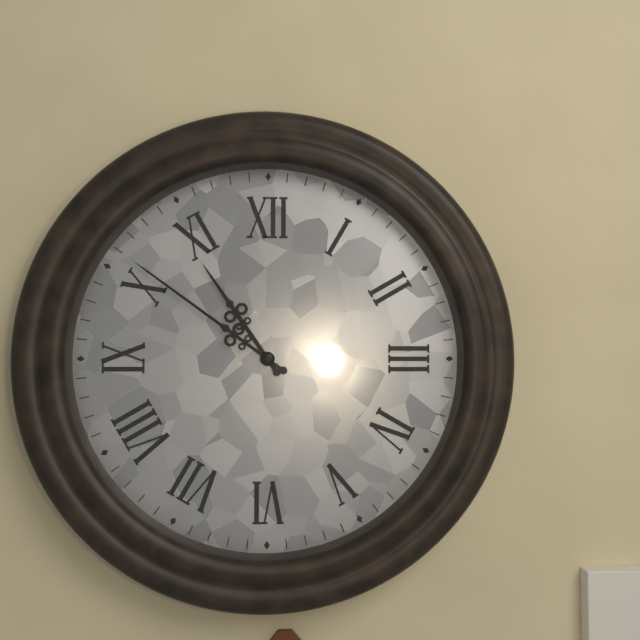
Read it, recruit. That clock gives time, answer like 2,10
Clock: 10,51
